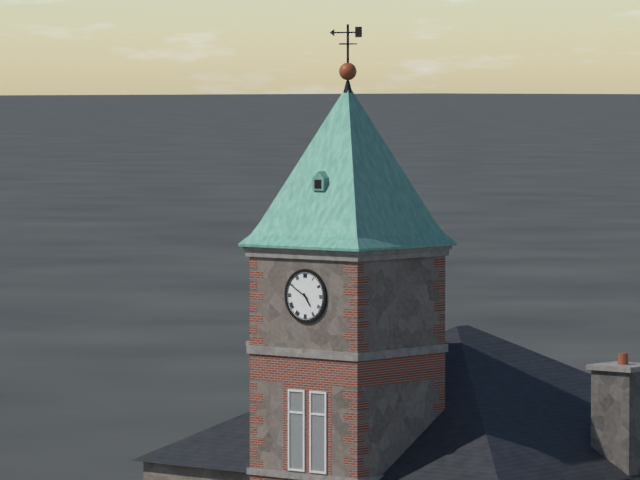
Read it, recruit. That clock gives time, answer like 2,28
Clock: 4,50
